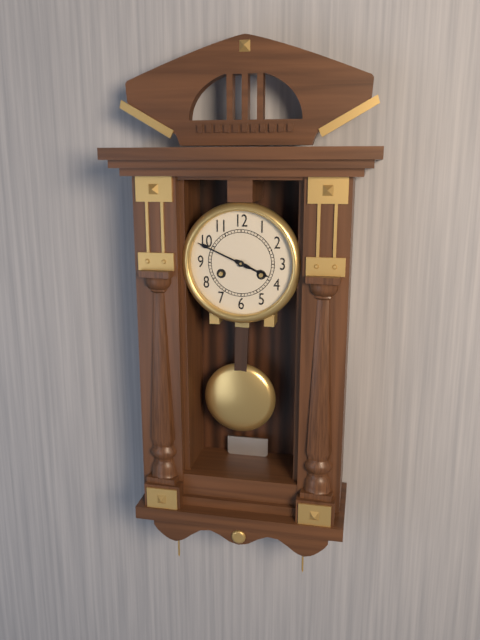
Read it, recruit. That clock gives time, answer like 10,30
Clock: 3,49
